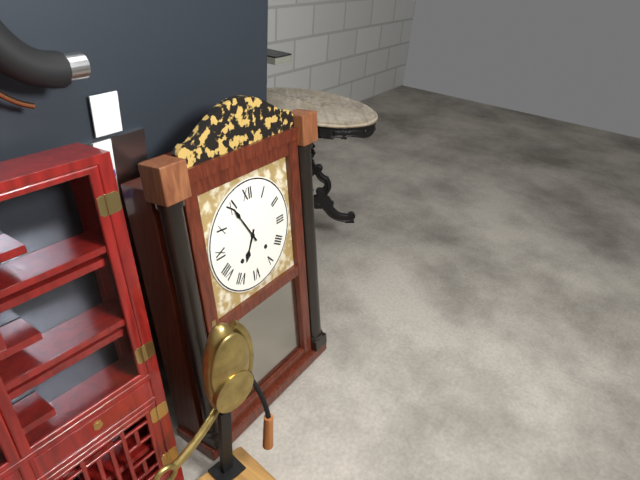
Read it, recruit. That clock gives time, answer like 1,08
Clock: 6,55
